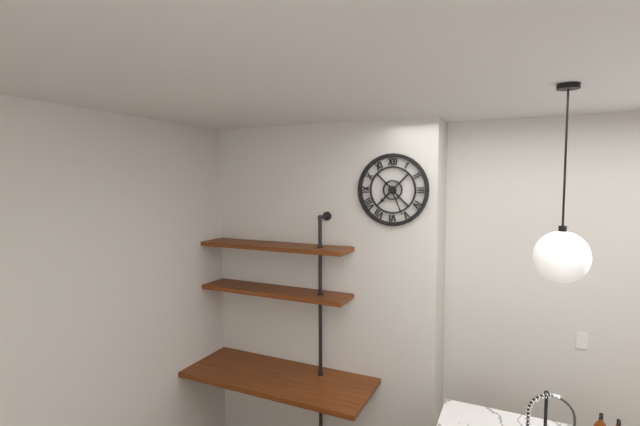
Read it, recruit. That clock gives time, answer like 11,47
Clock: 7,26
